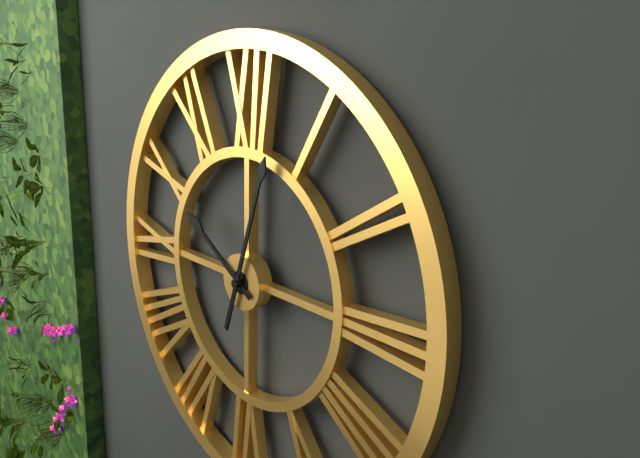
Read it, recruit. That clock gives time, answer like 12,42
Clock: 10,03
